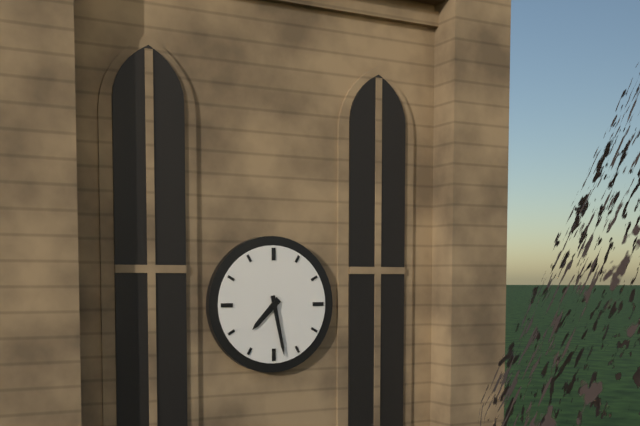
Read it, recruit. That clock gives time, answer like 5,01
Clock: 7,28
